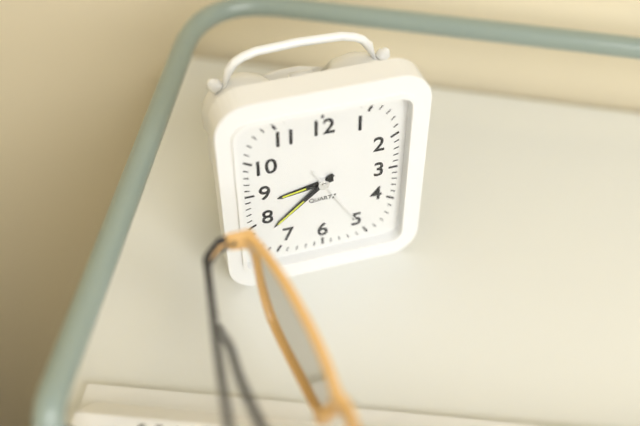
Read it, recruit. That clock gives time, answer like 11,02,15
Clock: 8,38,25
